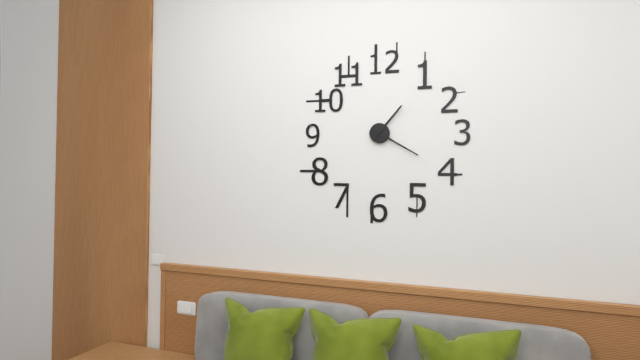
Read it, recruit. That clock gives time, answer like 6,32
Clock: 1,20
